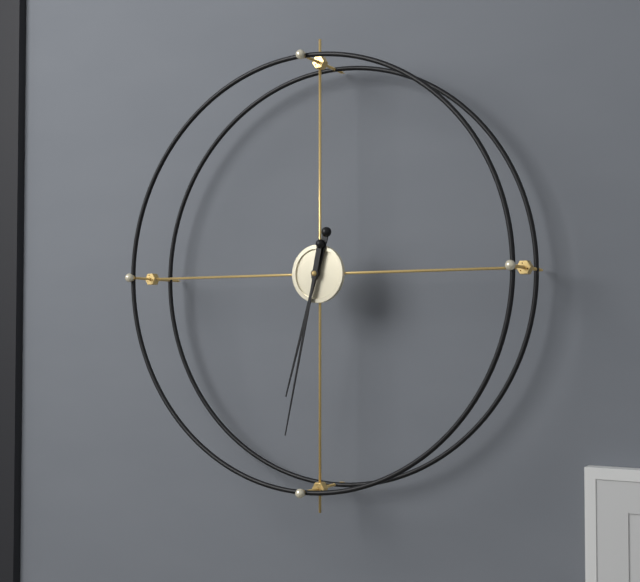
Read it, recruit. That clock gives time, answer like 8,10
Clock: 6,32
